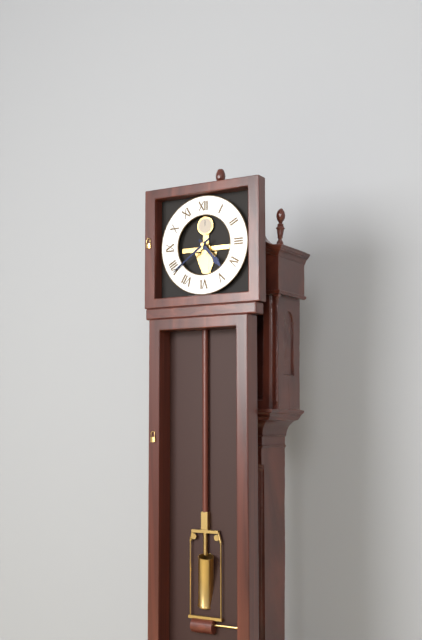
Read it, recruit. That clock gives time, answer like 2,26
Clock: 4,39
